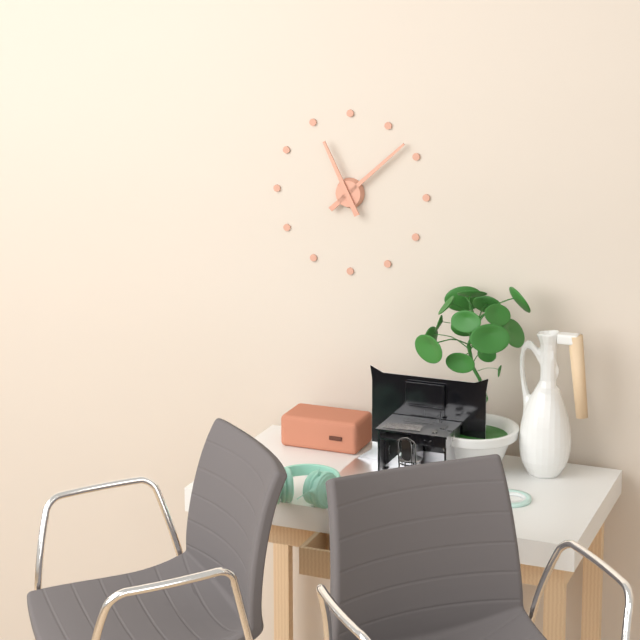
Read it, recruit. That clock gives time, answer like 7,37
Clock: 11,08
